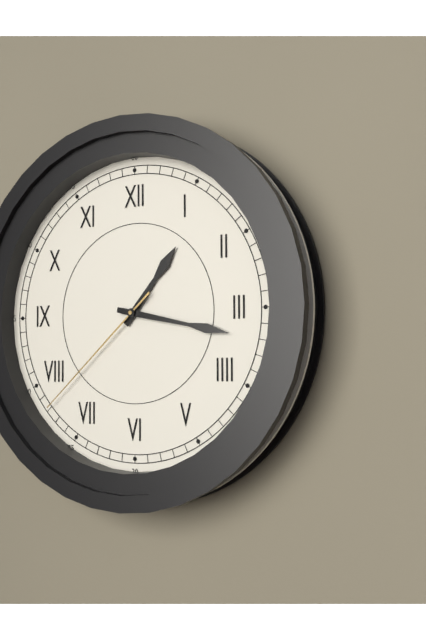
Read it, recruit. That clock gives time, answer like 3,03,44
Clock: 1,17,38
